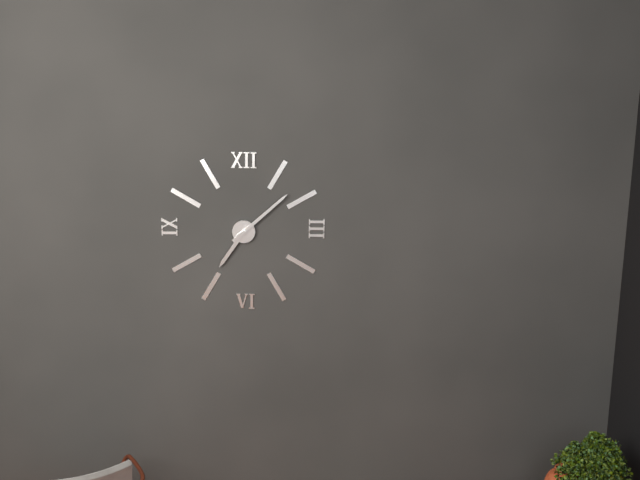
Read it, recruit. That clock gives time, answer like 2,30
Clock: 7,08
